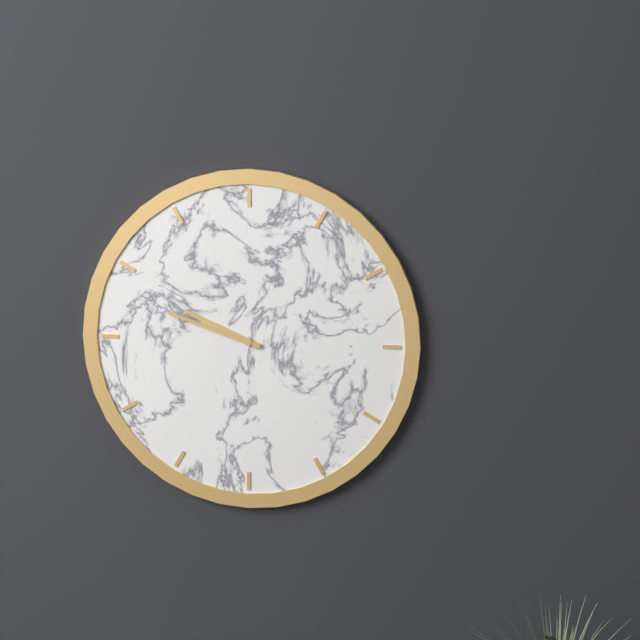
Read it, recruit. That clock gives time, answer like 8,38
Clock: 9,48
